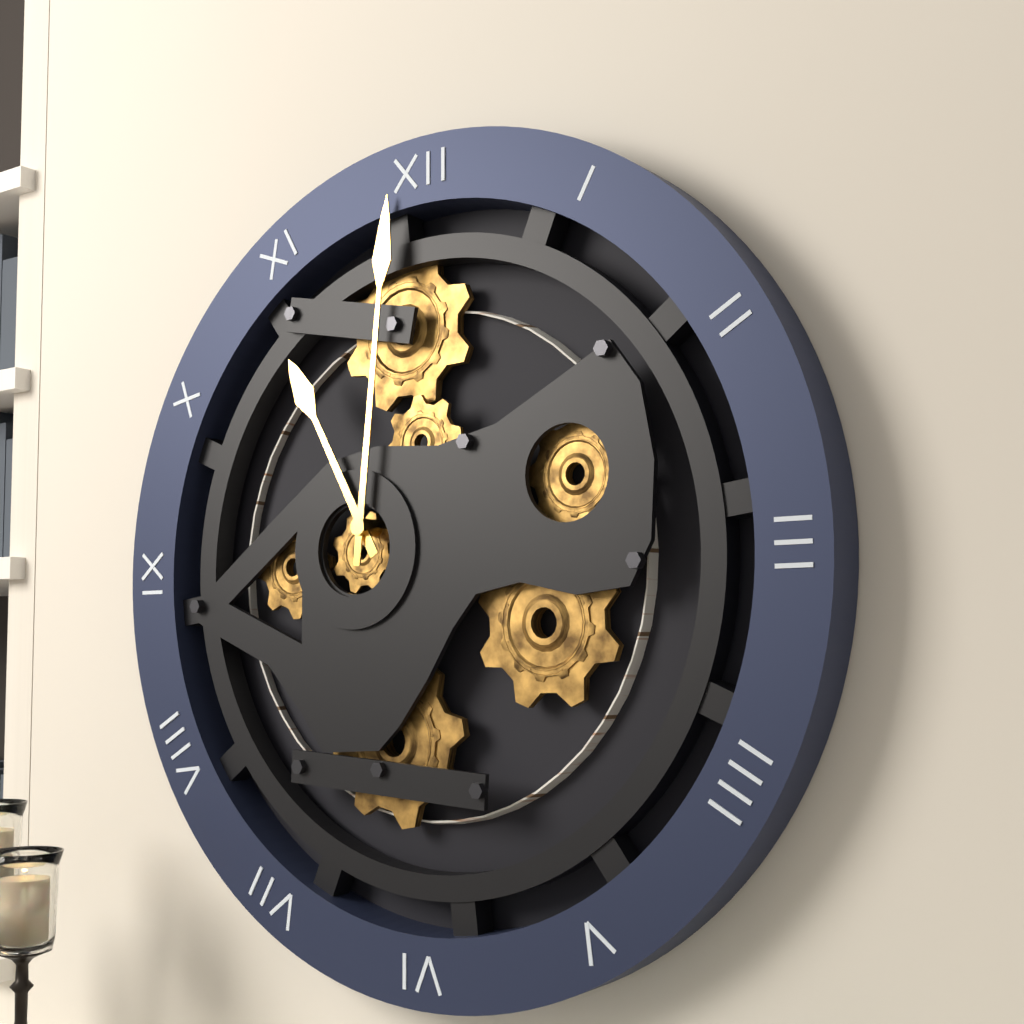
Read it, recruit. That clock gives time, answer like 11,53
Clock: 11,01
